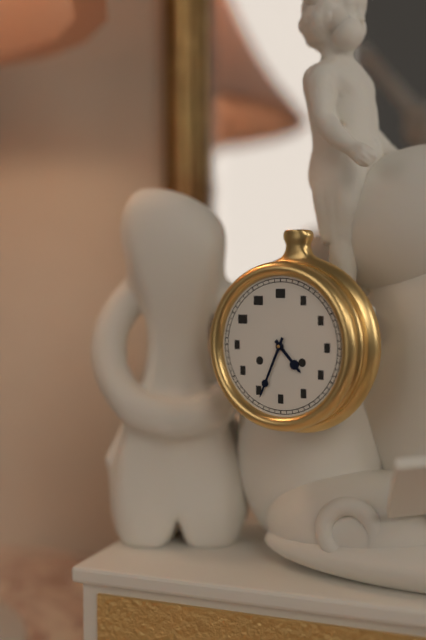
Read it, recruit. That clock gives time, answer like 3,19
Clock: 4,34
